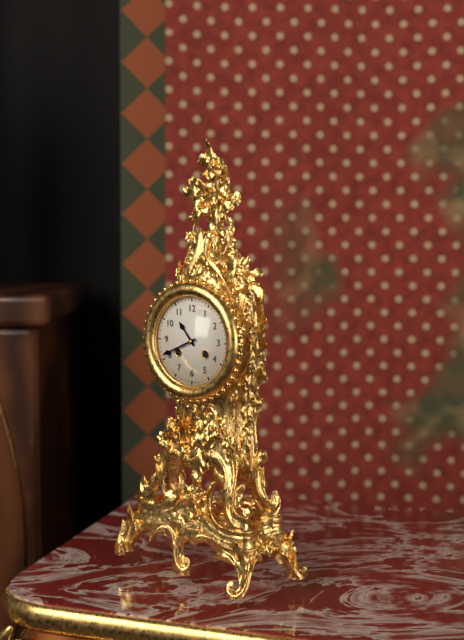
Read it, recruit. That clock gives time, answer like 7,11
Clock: 10,41
